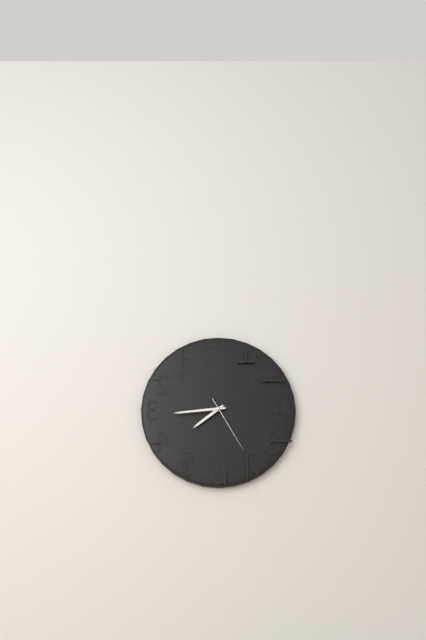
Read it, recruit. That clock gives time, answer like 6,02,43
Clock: 7,44,25
